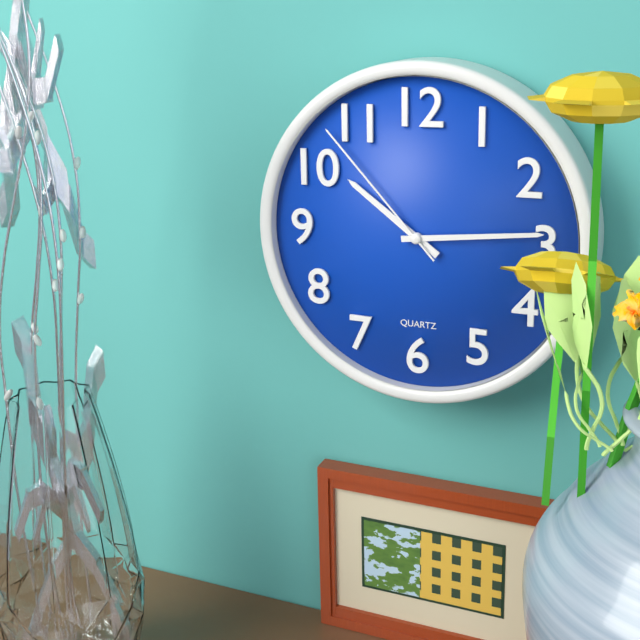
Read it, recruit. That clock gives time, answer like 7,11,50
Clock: 10,14,53
